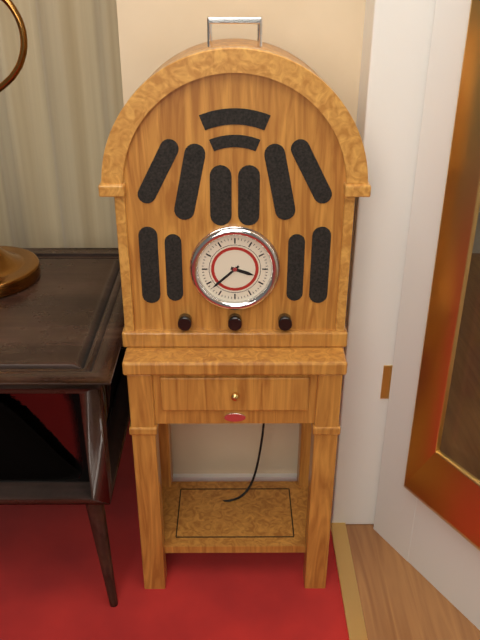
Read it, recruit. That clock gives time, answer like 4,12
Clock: 3,38
